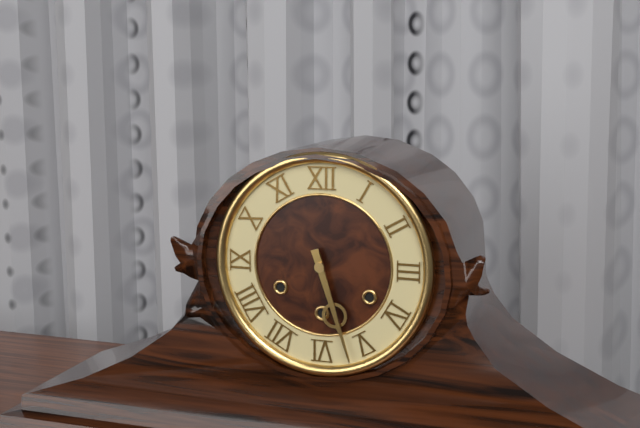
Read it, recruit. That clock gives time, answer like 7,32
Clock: 5,27
